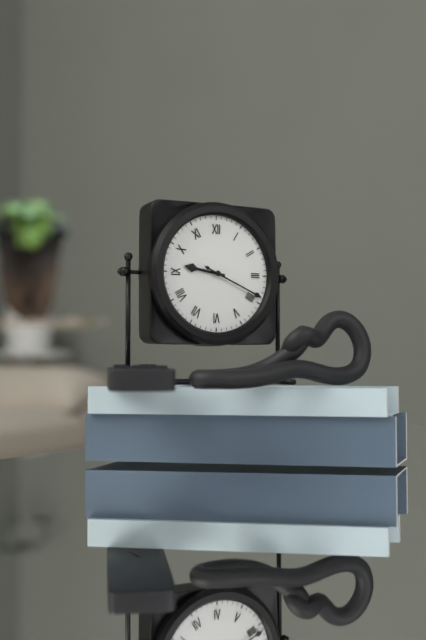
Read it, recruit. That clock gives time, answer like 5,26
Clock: 9,19
